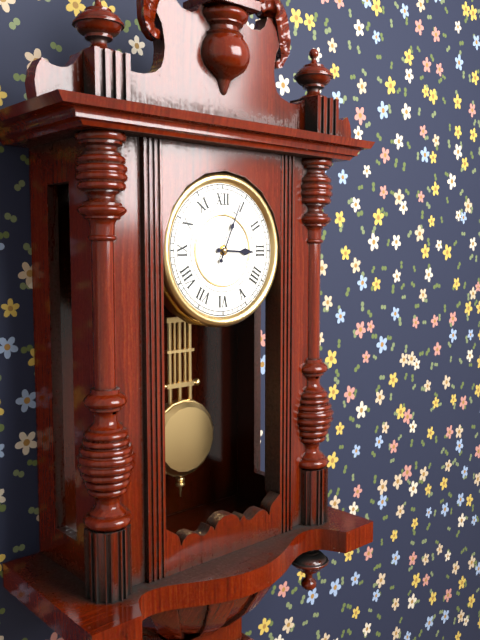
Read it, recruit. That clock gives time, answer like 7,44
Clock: 3,04
